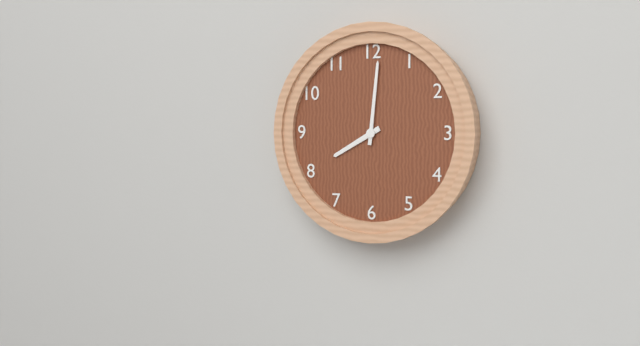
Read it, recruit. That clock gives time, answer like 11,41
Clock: 8,01
